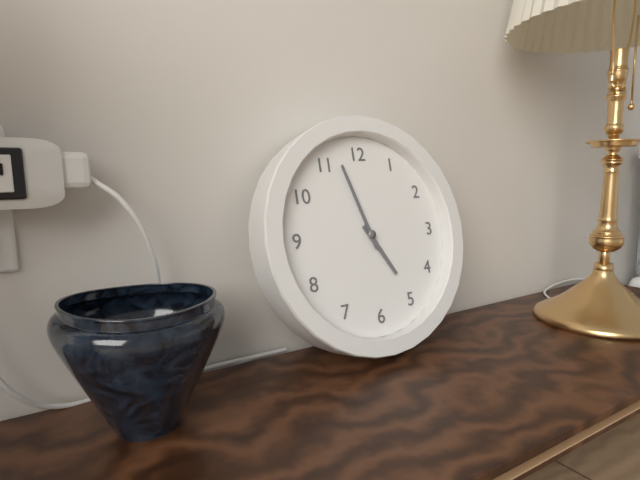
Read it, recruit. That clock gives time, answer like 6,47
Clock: 4,57
